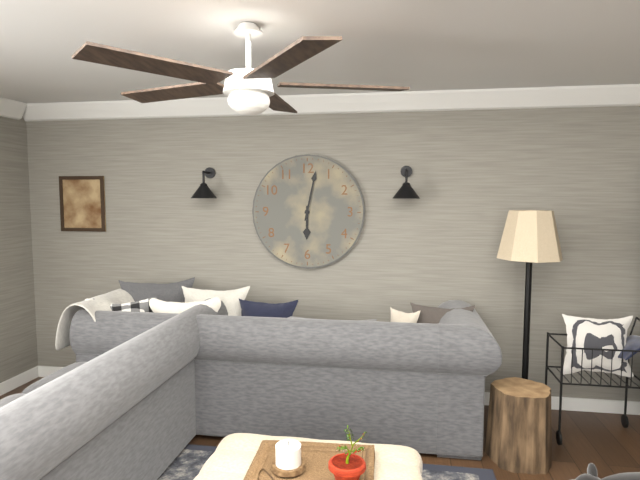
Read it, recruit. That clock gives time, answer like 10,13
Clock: 6,02
